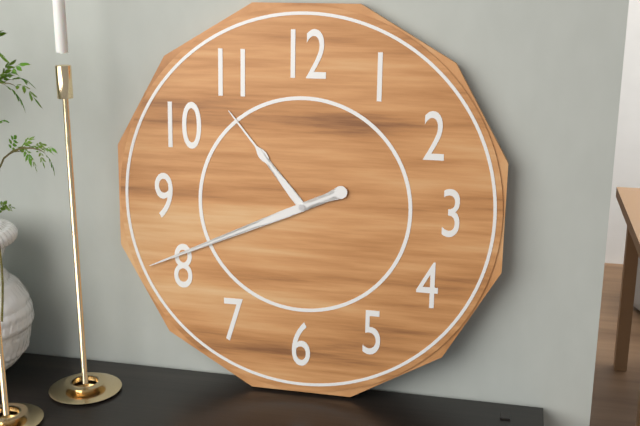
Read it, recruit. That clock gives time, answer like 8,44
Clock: 10,41
